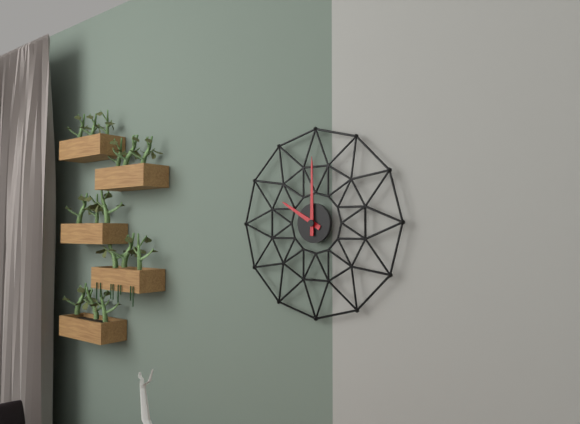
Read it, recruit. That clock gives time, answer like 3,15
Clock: 10,00
